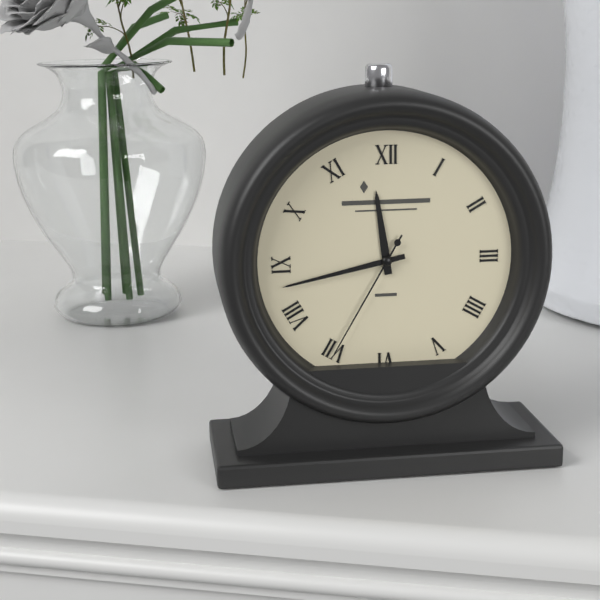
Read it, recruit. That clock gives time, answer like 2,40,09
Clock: 11,43,35
